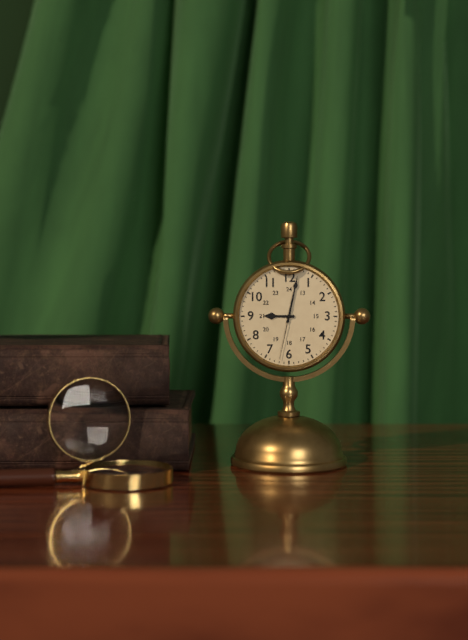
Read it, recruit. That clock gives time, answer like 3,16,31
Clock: 9,02,32
